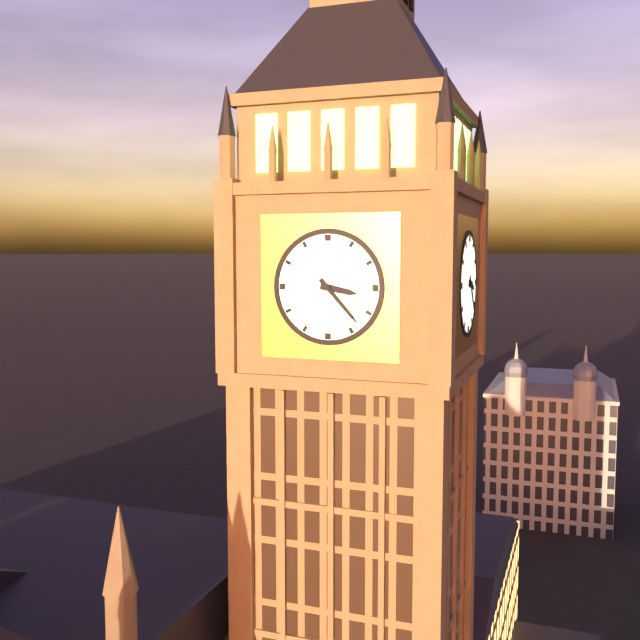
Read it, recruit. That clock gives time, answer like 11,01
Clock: 3,23
